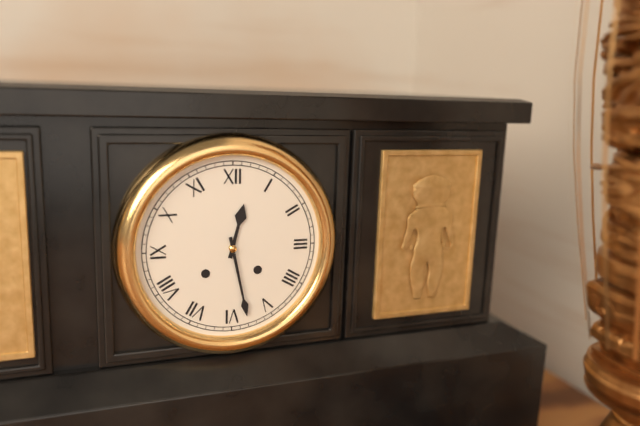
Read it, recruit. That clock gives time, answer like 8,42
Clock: 12,28
